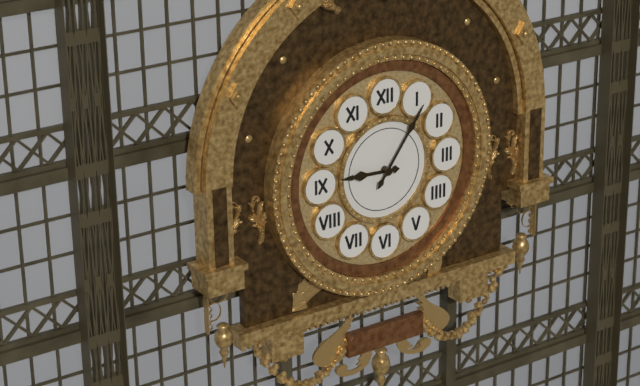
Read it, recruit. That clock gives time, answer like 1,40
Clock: 9,06
